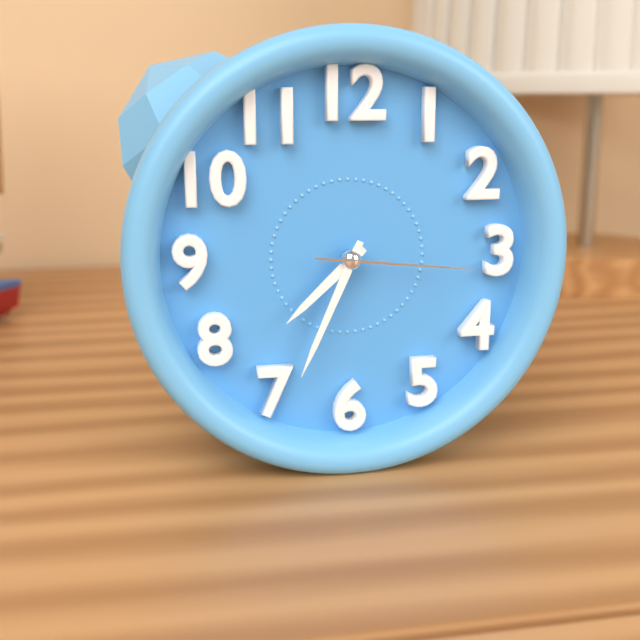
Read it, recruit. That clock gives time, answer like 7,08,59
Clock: 7,34,16
